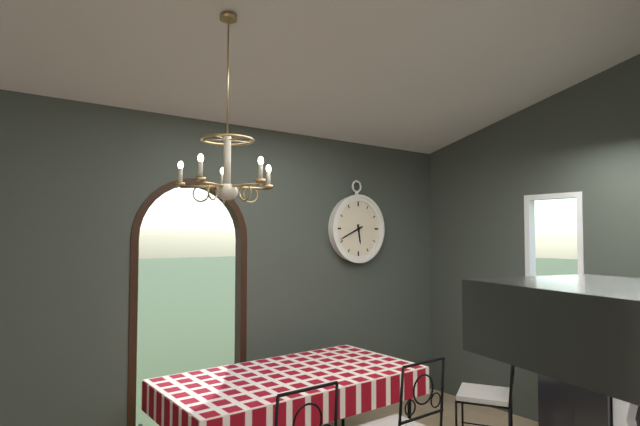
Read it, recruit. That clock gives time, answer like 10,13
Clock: 5,41
